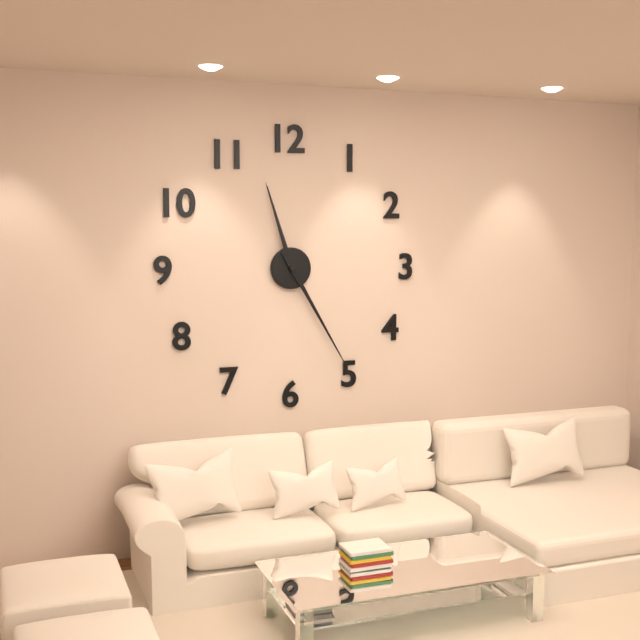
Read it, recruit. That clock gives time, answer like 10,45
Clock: 11,25
